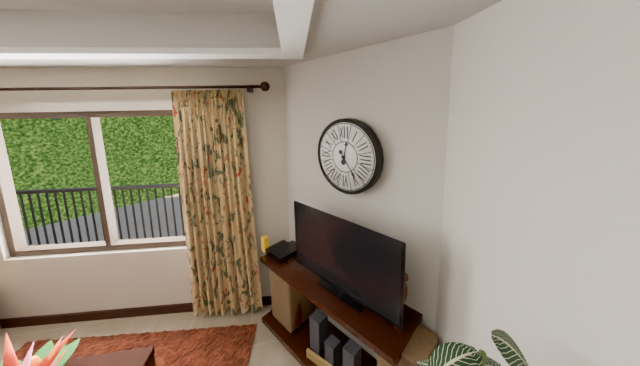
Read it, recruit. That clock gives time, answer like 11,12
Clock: 12,24
